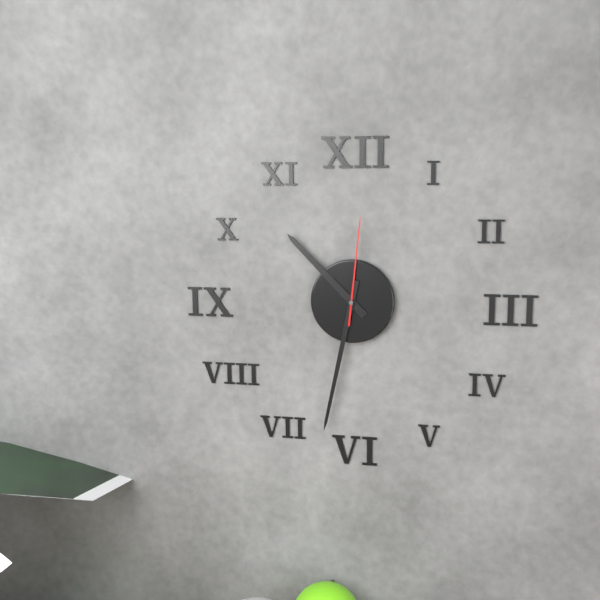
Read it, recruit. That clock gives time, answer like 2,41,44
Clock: 10,32,01
